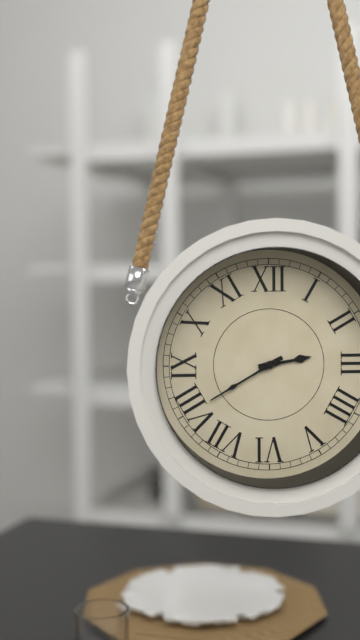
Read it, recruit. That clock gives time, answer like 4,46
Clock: 2,40
